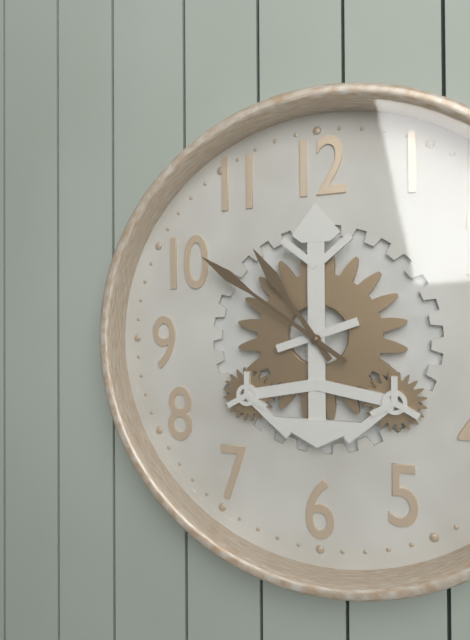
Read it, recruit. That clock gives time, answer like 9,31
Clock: 10,51
